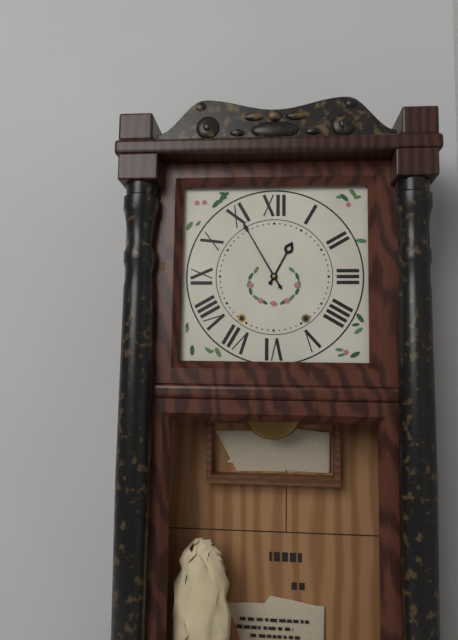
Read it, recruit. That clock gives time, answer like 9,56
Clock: 12,55
